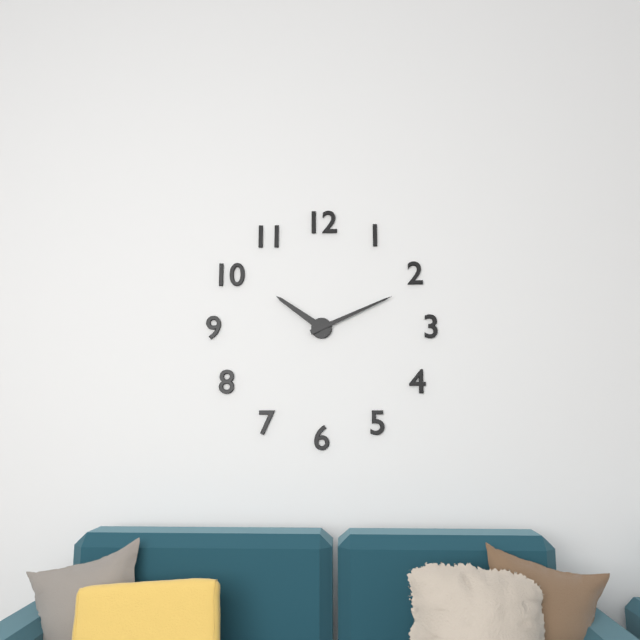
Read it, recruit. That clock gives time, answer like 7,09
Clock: 10,11
